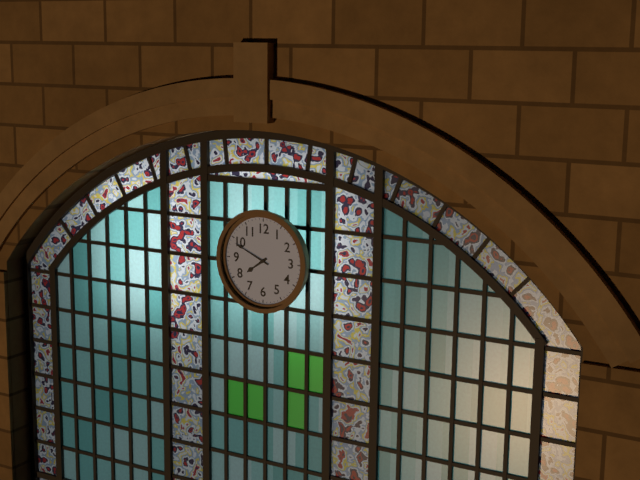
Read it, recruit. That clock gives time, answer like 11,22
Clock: 7,49
